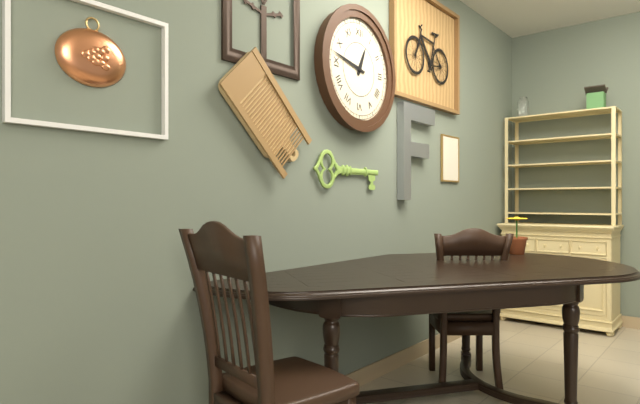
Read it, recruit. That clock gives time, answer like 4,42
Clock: 12,47
